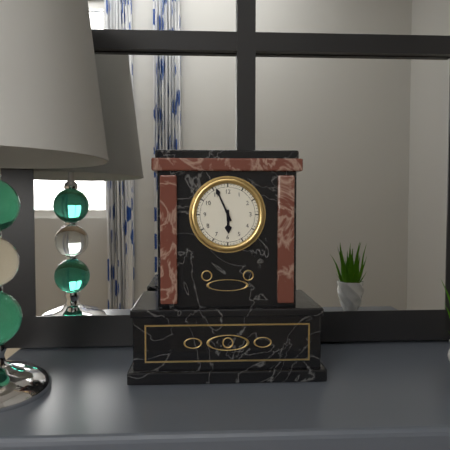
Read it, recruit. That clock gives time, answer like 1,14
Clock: 5,56
